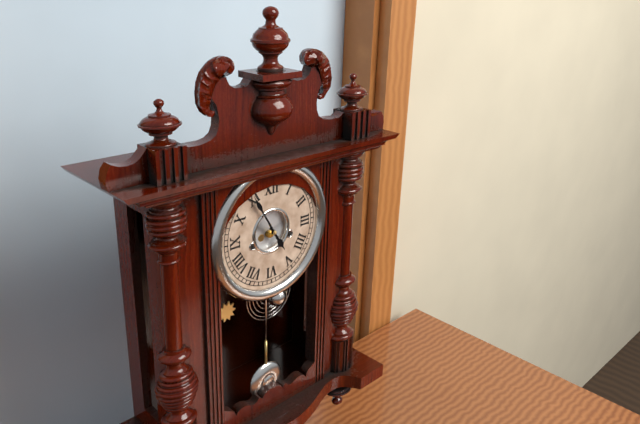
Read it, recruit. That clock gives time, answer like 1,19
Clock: 4,55
